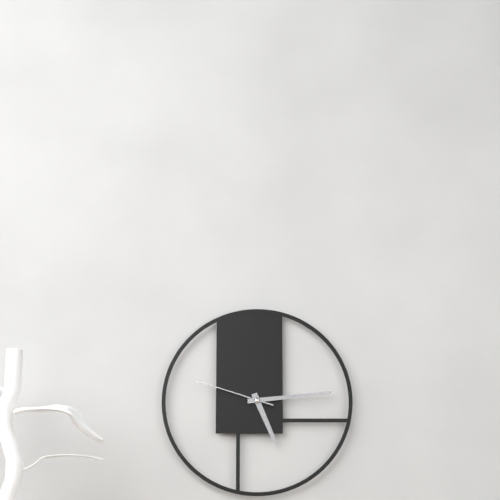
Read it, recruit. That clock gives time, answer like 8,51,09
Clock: 5,14,48
